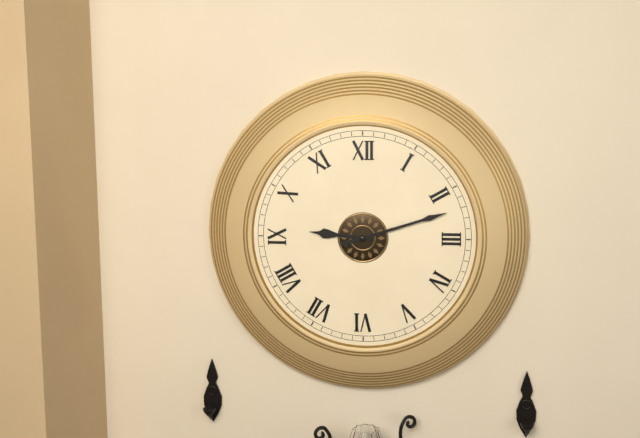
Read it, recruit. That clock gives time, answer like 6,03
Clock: 9,12
